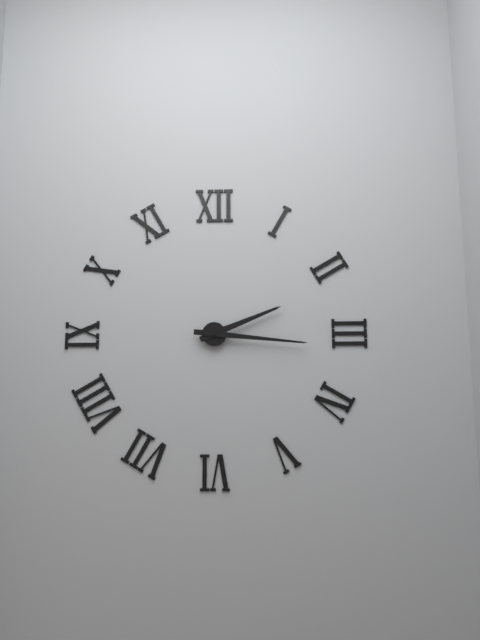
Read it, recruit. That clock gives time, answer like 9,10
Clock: 2,16
